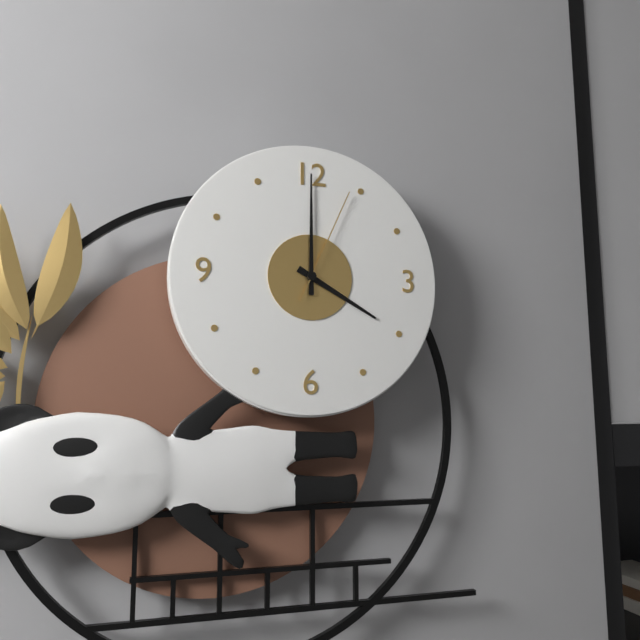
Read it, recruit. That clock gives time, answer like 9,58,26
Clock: 4,00,04
